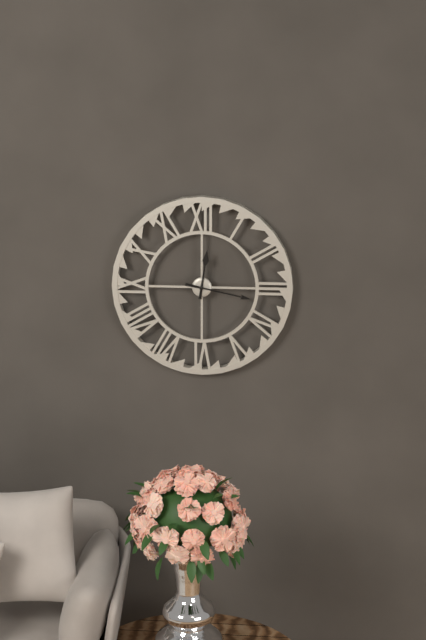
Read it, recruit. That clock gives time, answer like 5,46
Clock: 12,17
